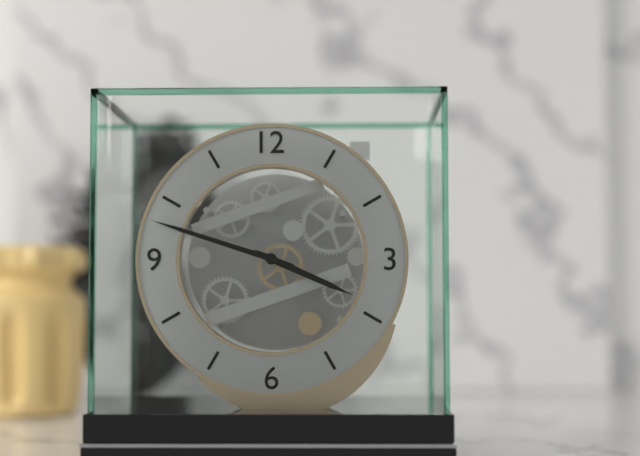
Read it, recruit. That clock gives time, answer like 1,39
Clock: 3,48
